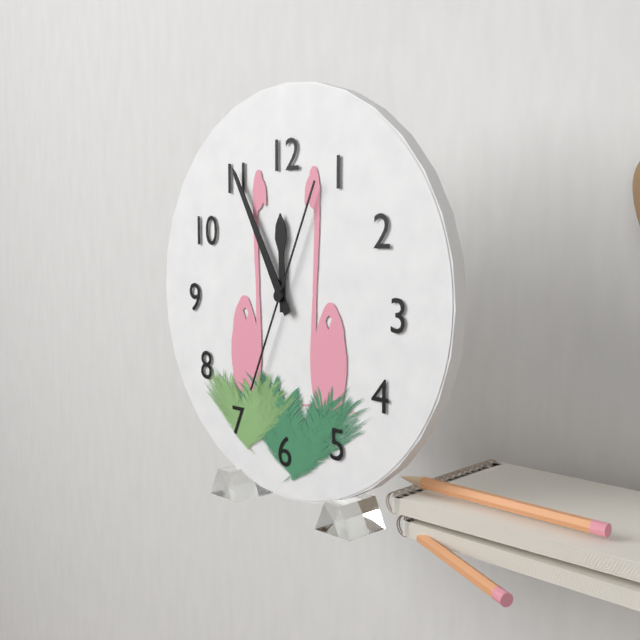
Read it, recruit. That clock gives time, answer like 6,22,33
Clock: 11,55,04
